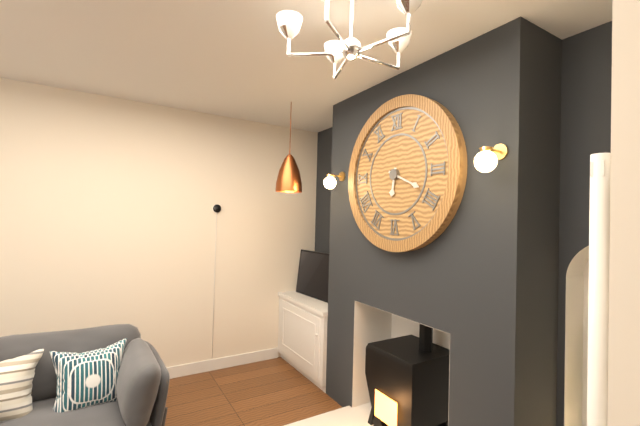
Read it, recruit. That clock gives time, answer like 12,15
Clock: 6,19
